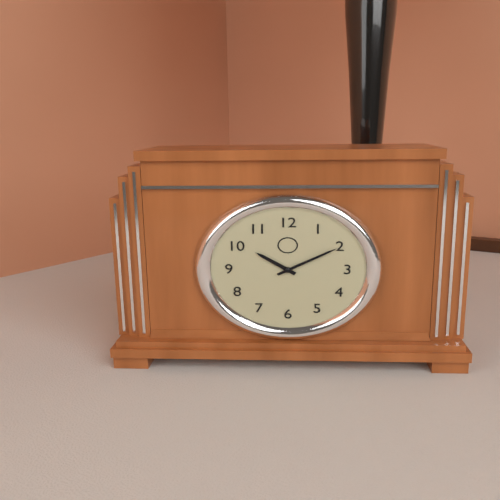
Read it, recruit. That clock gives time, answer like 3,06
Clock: 10,10
